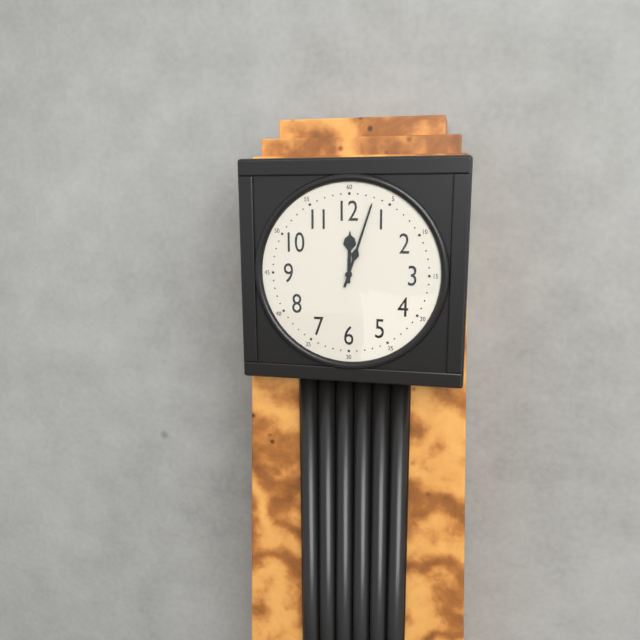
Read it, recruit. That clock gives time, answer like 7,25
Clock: 12,03
